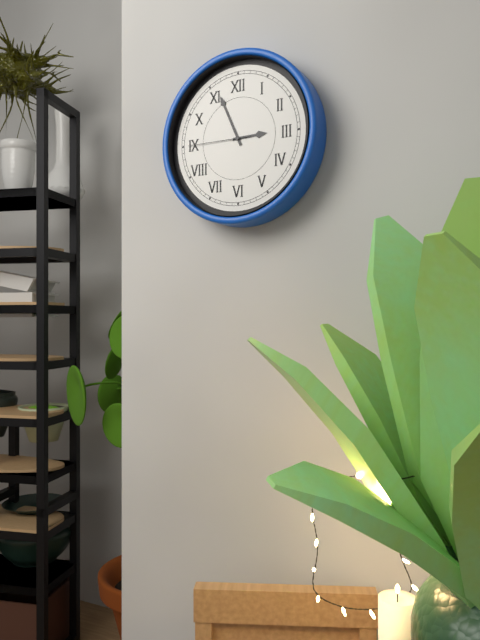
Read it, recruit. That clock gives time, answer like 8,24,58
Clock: 2,56,45
